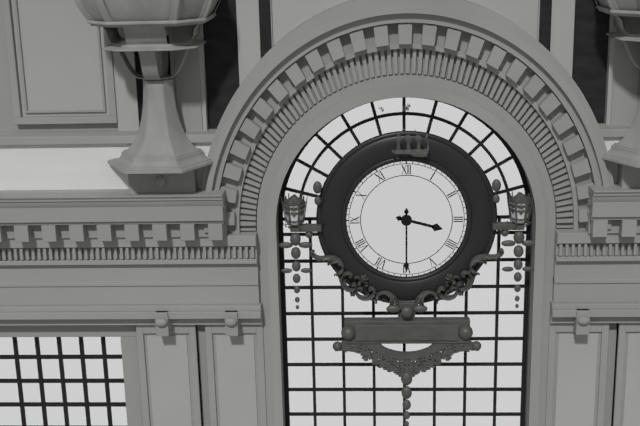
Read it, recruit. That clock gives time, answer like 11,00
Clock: 3,30
